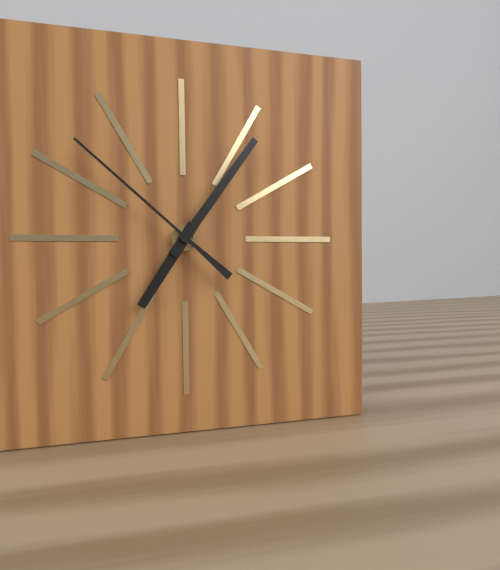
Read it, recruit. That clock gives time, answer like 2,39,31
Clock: 7,06,52
